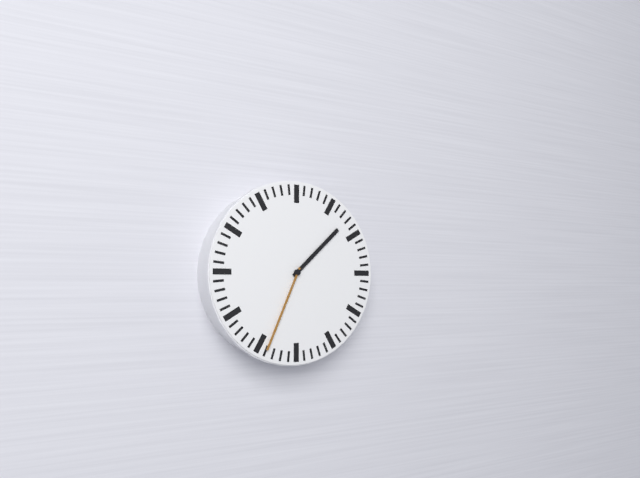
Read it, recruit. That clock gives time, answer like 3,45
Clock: 1,34
